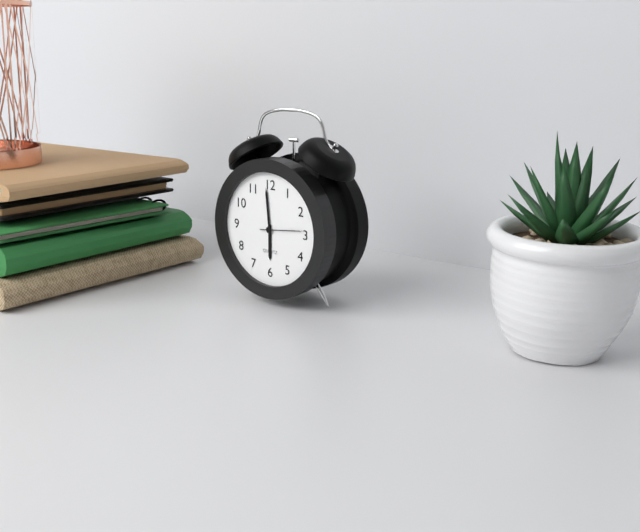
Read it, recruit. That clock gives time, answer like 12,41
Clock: 5,59
